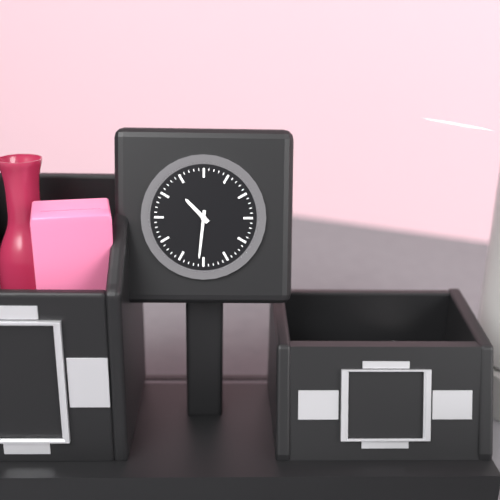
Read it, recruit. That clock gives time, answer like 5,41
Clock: 10,31
